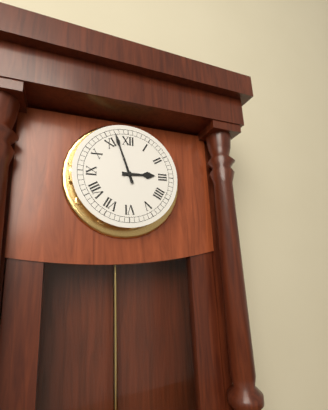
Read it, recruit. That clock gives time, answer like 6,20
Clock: 2,57
